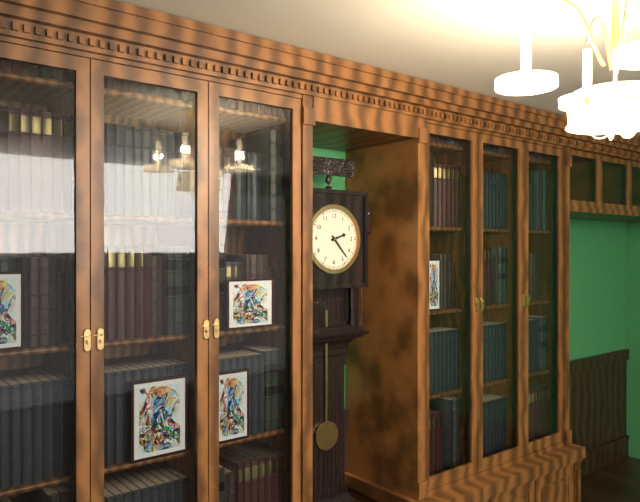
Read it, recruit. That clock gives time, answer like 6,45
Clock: 2,23
